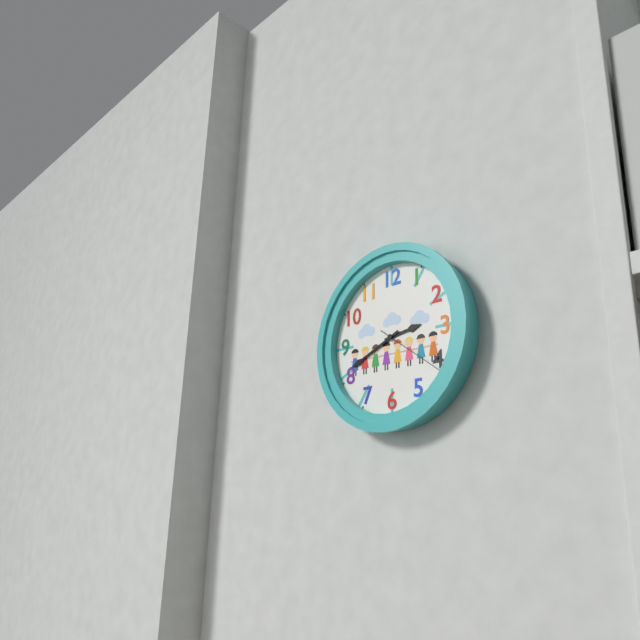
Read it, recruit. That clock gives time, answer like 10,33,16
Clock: 2,41,21
